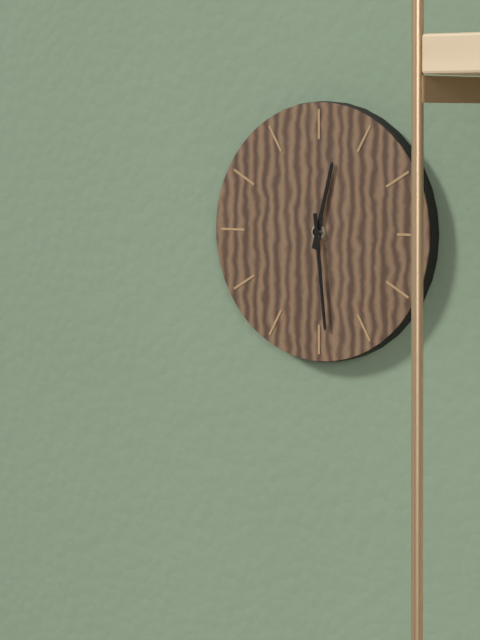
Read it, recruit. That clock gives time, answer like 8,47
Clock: 12,29
